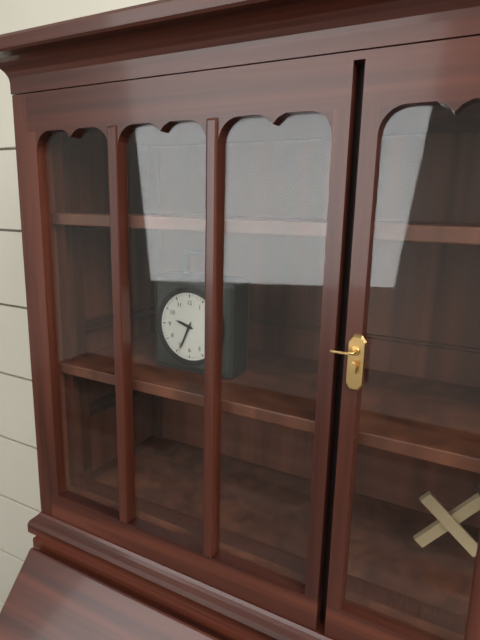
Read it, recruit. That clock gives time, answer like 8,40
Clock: 9,34
